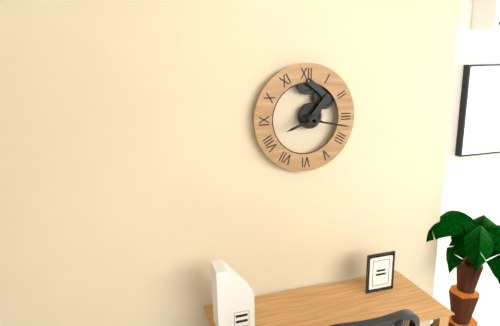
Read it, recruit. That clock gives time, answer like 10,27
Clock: 8,17
